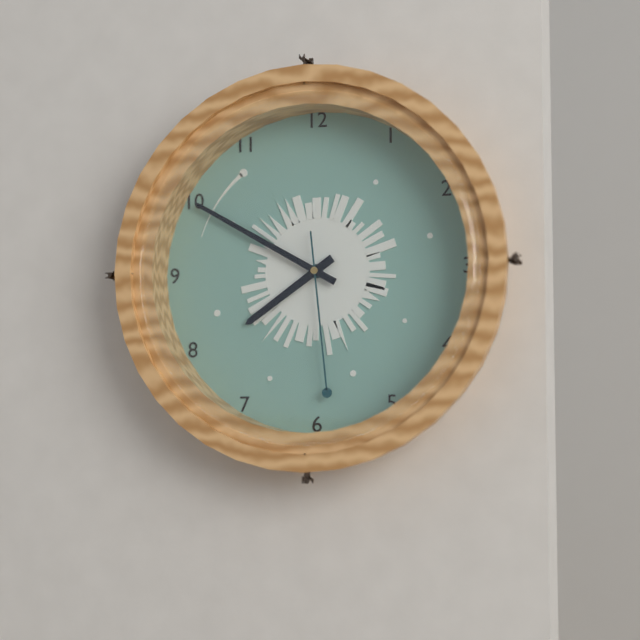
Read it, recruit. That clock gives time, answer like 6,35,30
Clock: 7,50,29
